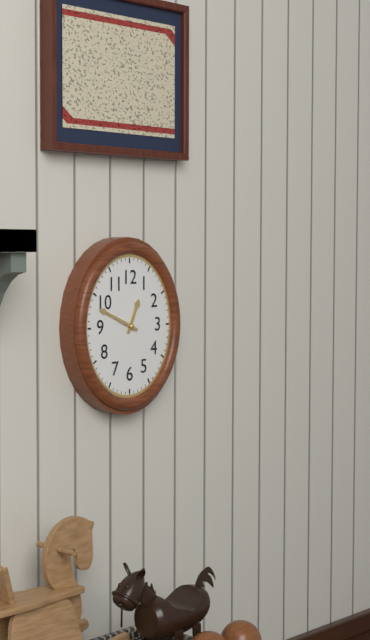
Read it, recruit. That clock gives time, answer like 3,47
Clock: 12,49
